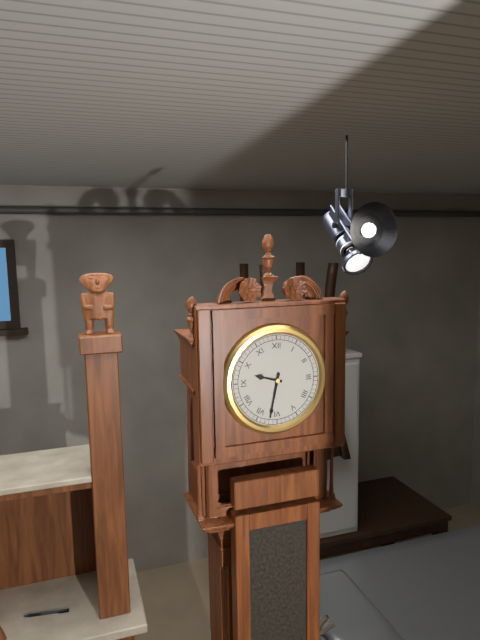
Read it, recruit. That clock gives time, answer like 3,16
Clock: 9,32
